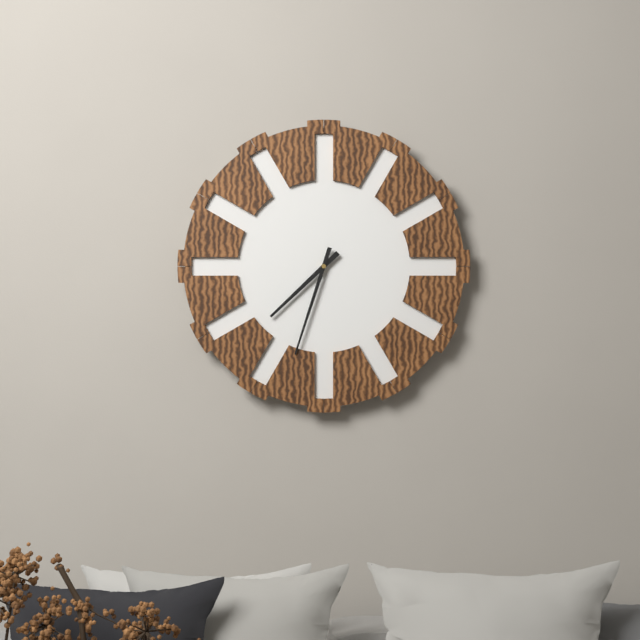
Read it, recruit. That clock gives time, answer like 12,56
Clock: 7,33
